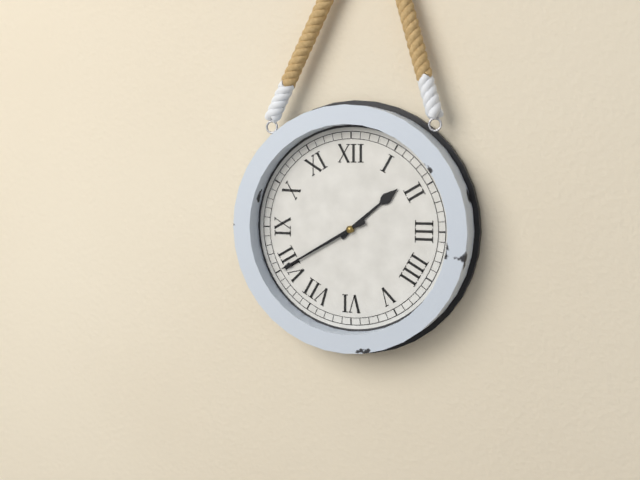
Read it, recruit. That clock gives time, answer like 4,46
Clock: 1,40
